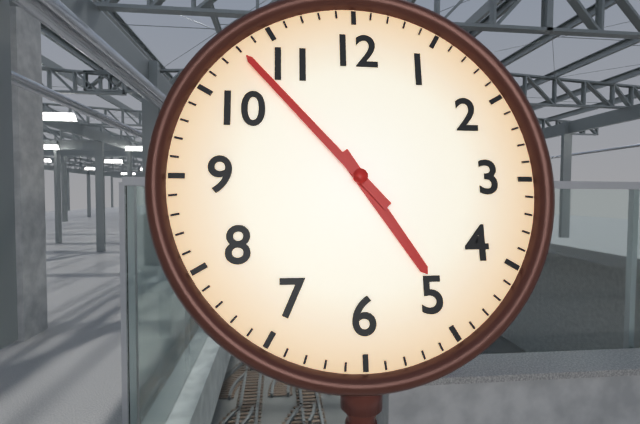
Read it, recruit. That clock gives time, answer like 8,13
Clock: 4,53
